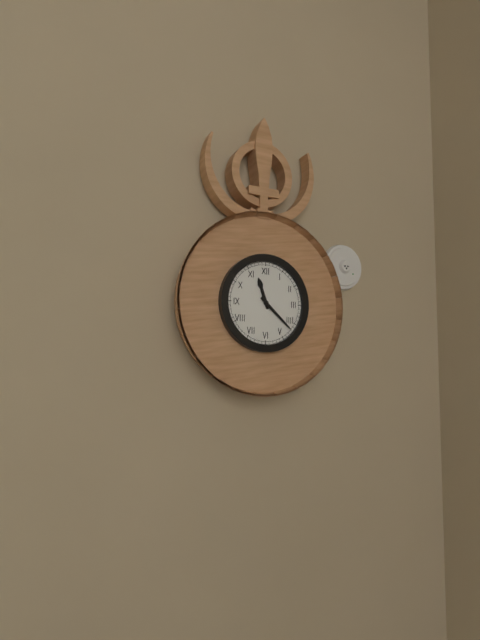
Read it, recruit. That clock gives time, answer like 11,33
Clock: 11,22
